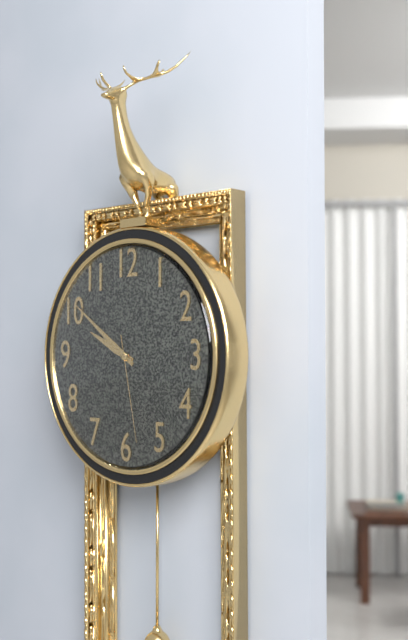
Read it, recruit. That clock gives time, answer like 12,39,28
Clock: 9,51,28
